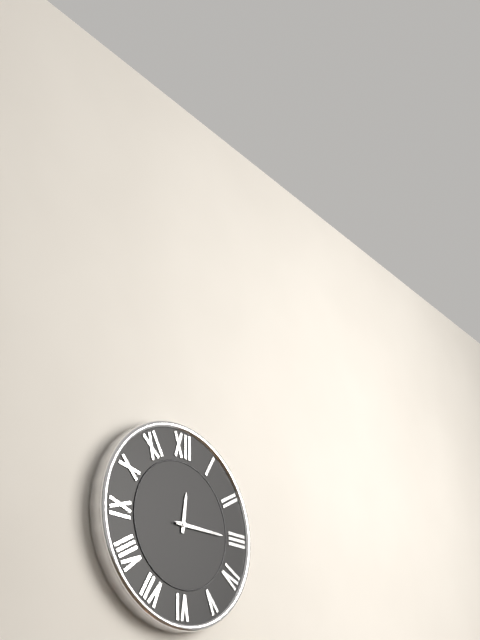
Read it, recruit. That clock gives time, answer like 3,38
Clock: 12,15
